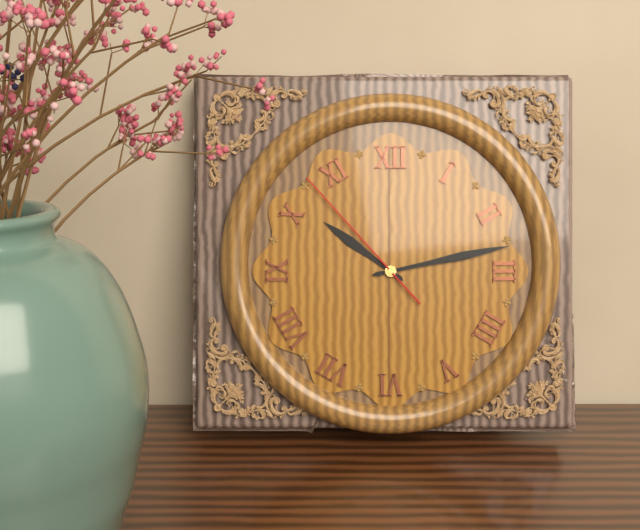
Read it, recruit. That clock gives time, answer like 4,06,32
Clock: 10,13,53
